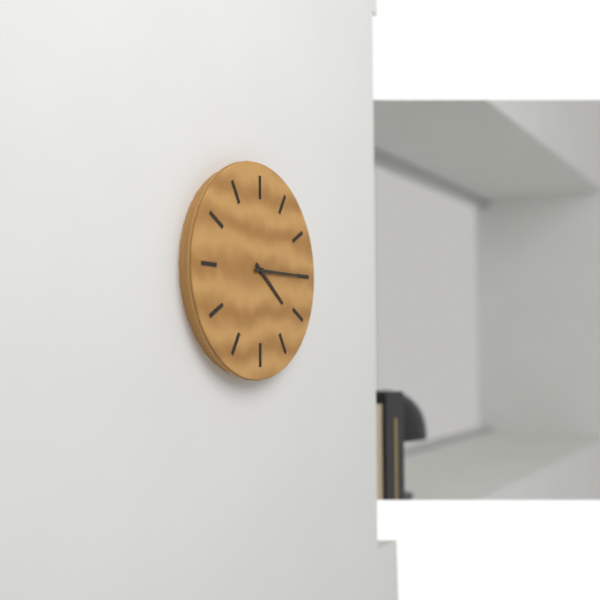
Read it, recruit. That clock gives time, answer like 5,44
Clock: 4,15
